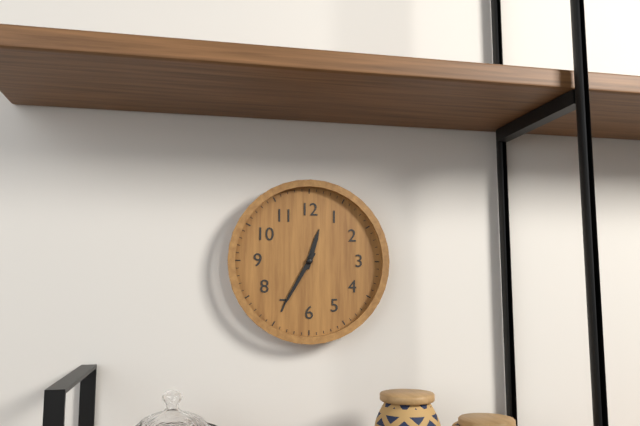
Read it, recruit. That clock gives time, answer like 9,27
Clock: 12,35
